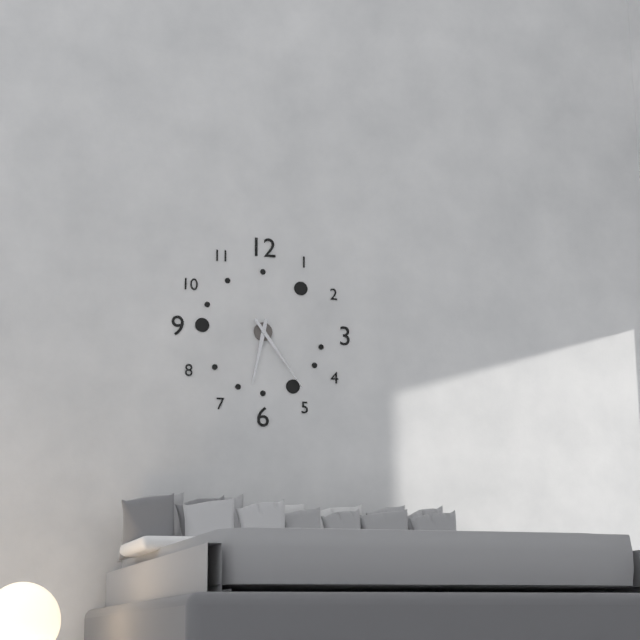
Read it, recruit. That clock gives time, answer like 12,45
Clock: 6,24
